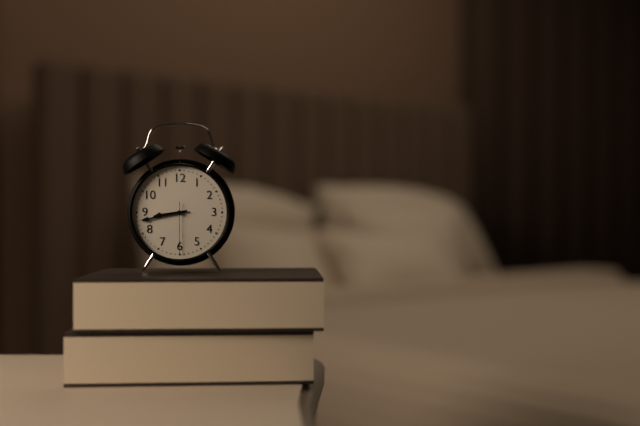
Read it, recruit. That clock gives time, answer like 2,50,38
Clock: 8,43,30
